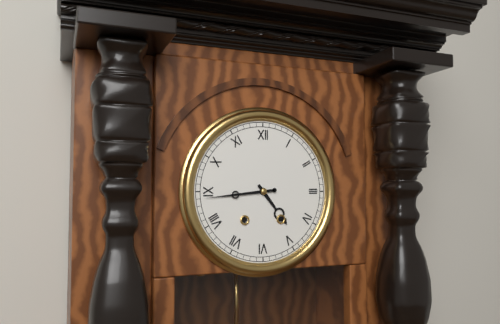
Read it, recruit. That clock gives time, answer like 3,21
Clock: 4,44
